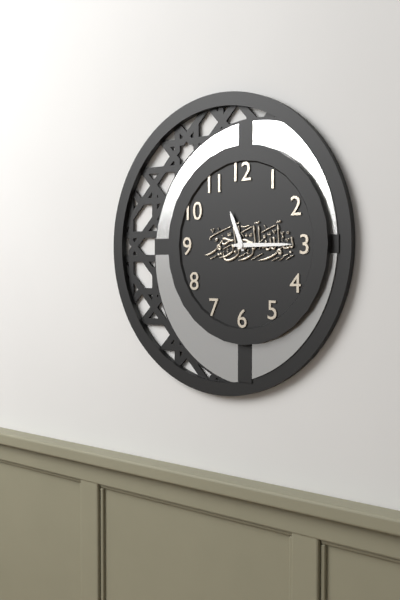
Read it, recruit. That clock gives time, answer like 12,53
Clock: 11,15
